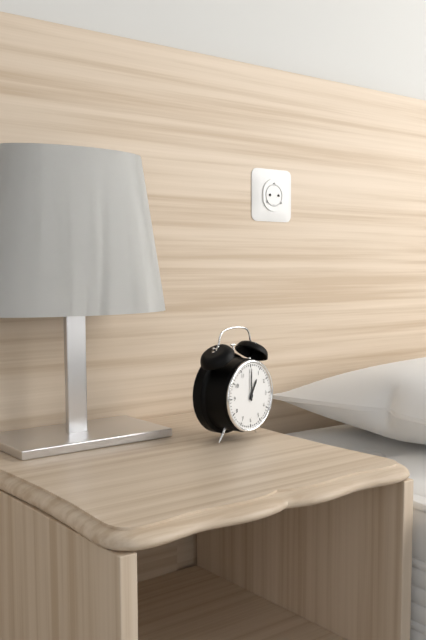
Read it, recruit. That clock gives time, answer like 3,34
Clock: 1,00
